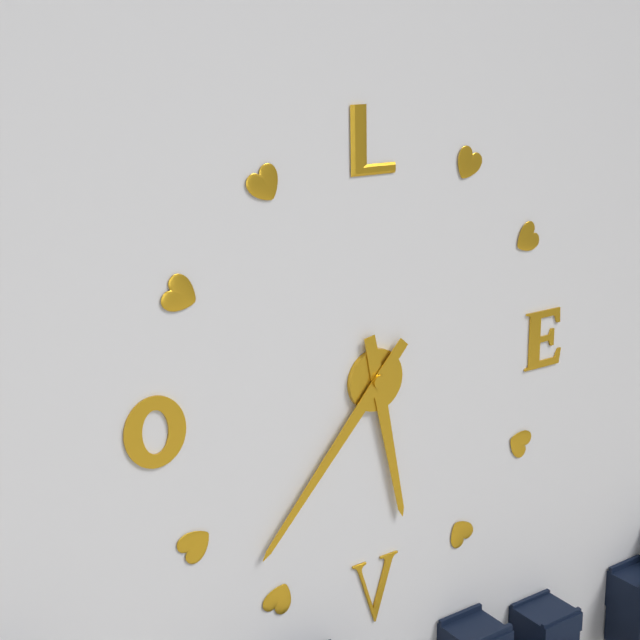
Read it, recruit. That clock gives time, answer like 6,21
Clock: 5,37
